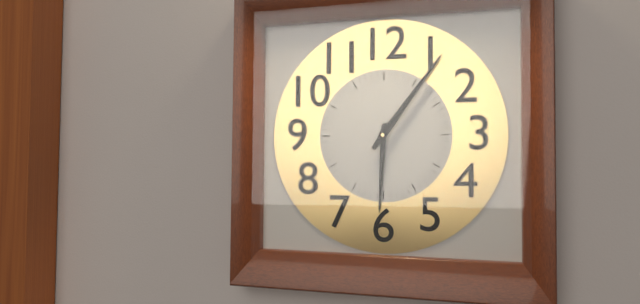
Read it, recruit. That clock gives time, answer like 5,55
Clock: 6,06
